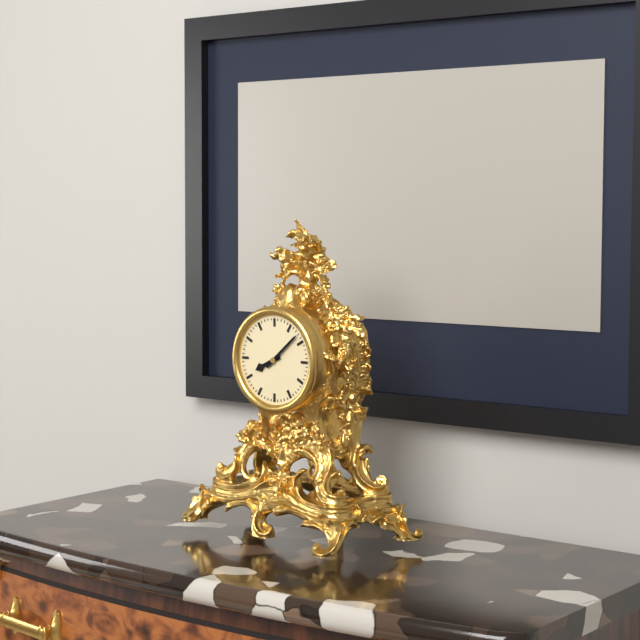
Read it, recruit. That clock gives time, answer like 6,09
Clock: 8,08
